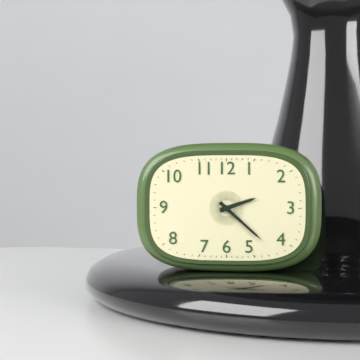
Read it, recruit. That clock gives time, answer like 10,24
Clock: 2,22
